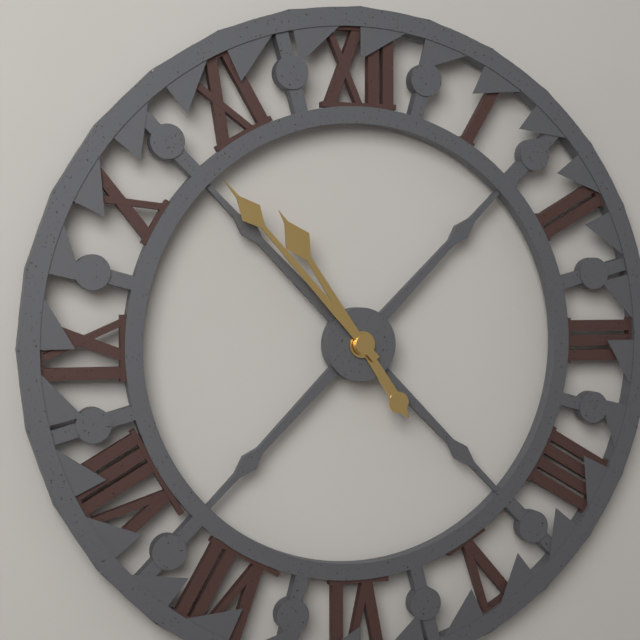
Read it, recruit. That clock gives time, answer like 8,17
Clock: 10,53
